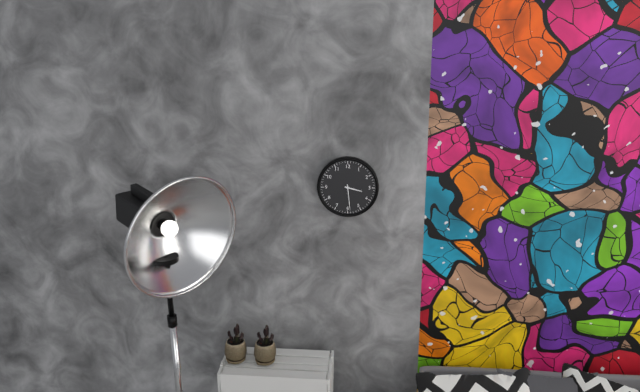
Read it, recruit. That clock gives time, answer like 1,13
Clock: 3,29
